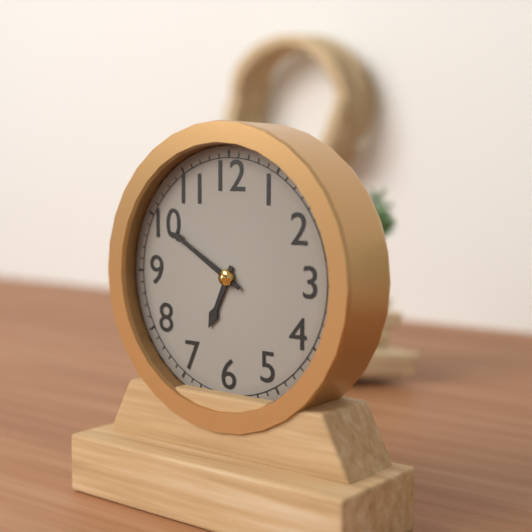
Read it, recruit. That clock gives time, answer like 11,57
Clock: 6,50
